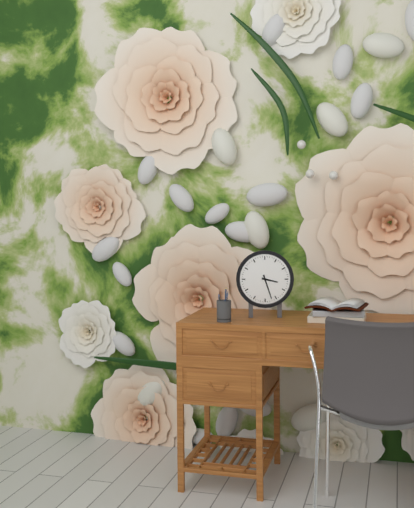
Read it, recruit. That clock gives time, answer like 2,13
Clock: 3,27
